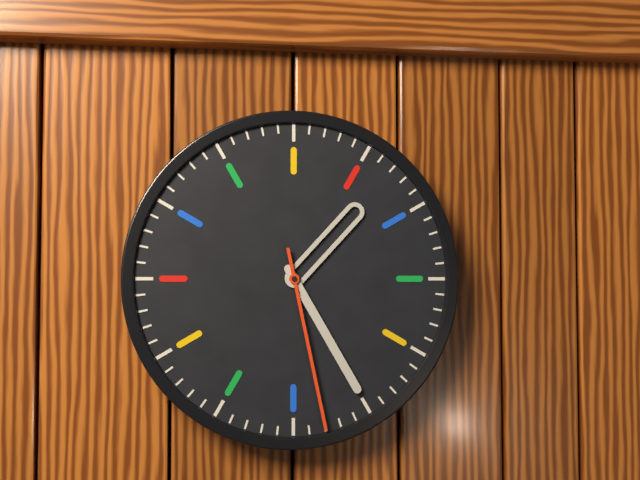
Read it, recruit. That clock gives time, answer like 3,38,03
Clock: 1,25,28
